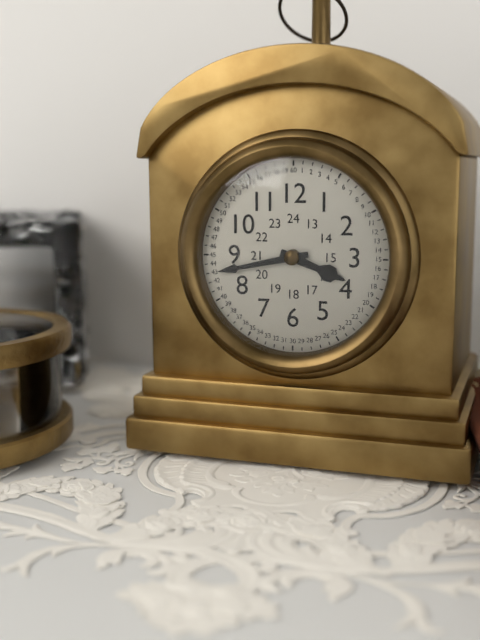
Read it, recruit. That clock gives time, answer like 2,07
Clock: 3,43
